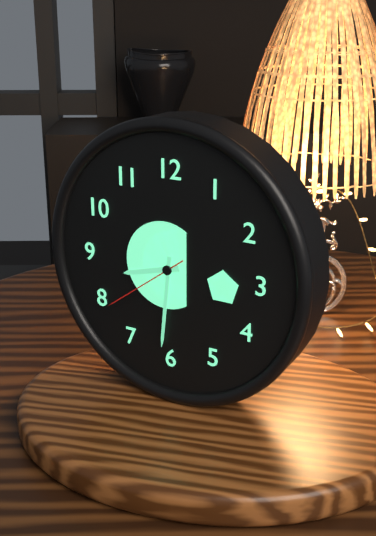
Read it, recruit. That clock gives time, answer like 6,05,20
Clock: 8,31,39
